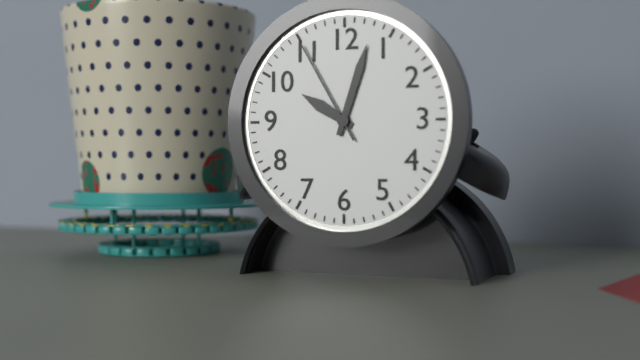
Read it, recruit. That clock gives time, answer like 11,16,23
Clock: 10,03,55
